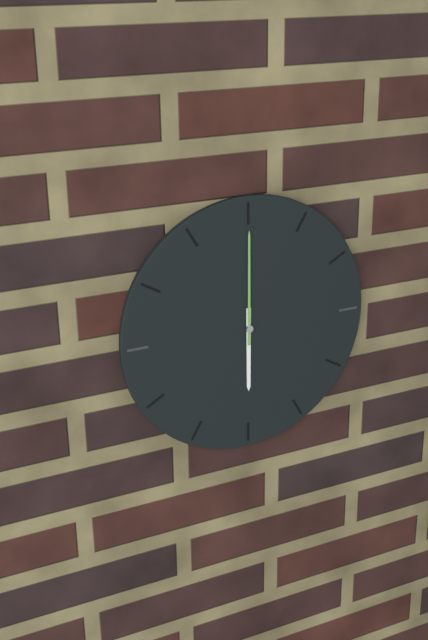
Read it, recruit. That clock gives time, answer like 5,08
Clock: 6,00
